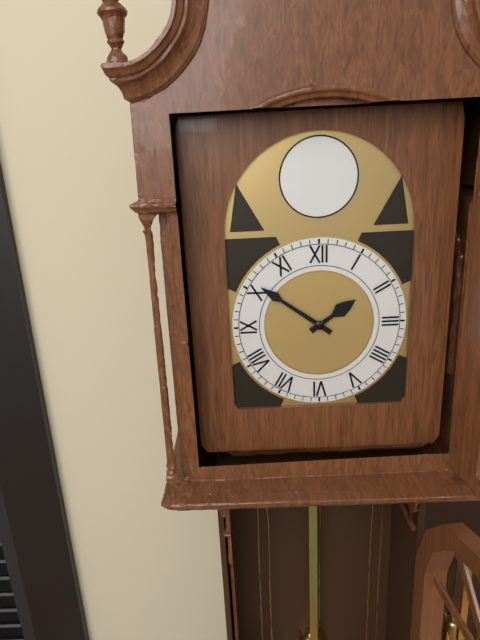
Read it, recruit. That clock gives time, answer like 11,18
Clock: 1,51
